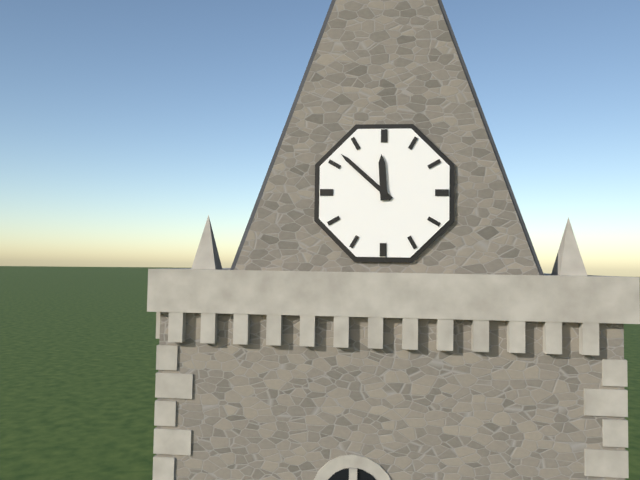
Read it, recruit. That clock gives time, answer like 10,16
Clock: 11,52
